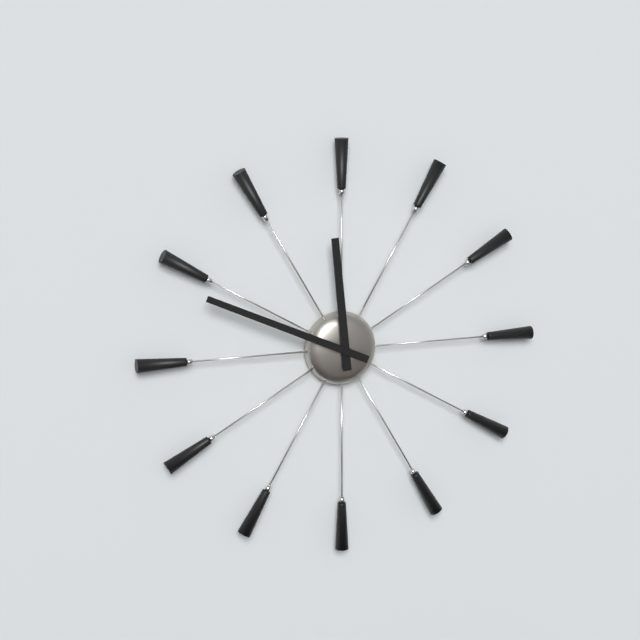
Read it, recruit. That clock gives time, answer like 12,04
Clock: 11,49
